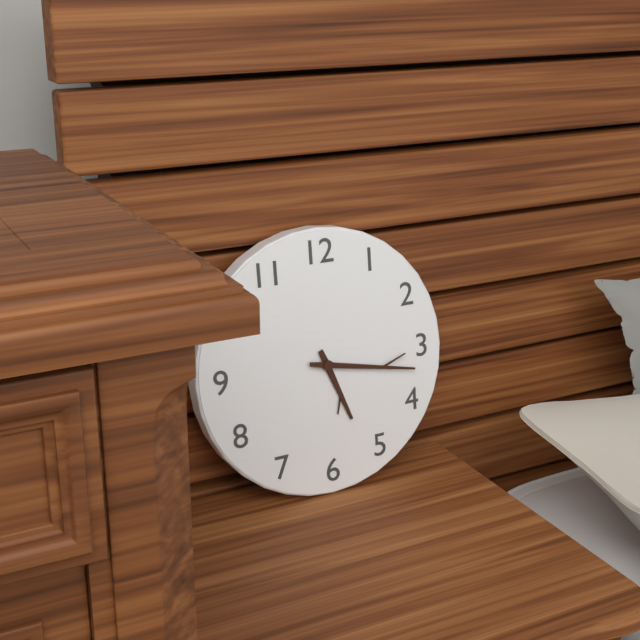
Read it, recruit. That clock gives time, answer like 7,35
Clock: 5,17
